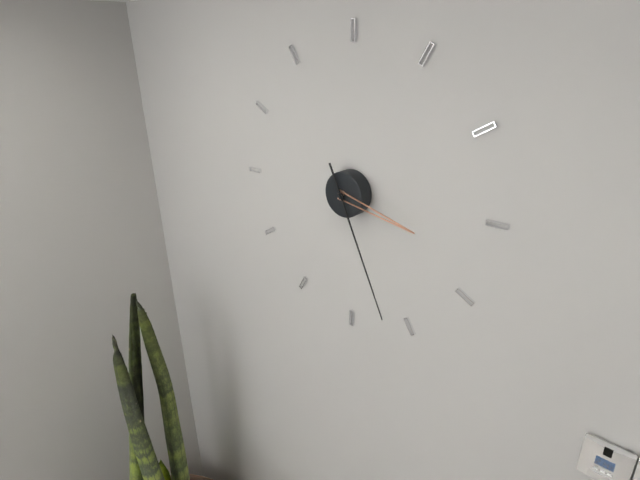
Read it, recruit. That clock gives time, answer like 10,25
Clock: 3,26
